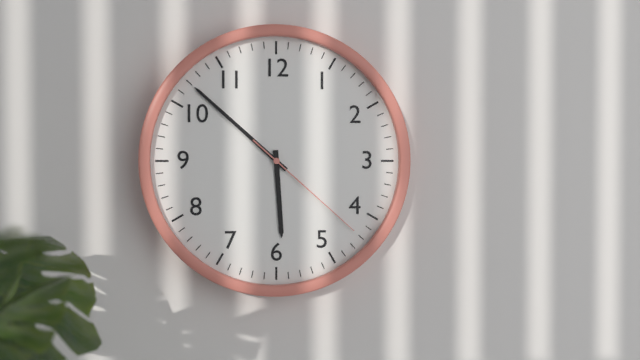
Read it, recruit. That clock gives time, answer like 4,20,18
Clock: 5,52,22
